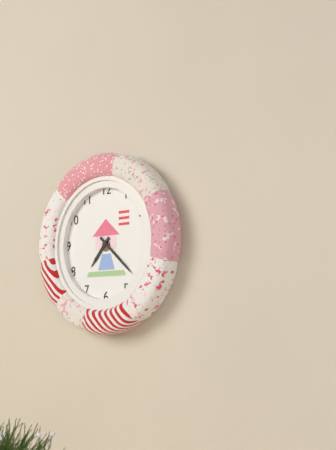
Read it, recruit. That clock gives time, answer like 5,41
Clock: 7,22
